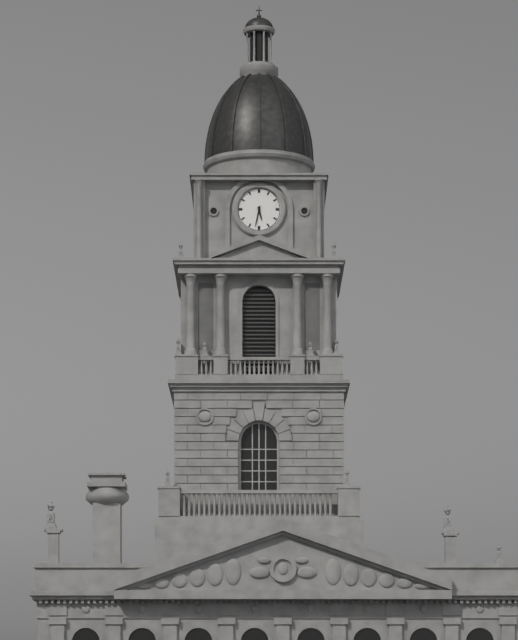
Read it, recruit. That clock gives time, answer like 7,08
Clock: 5,32
